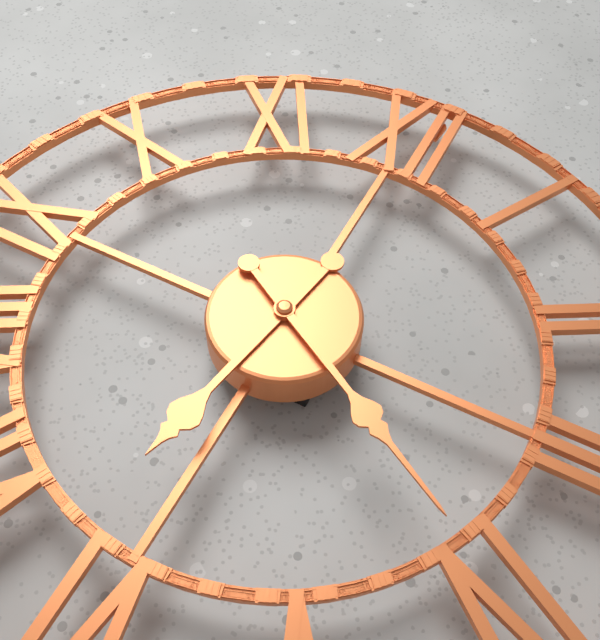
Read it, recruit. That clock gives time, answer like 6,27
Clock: 6,20
